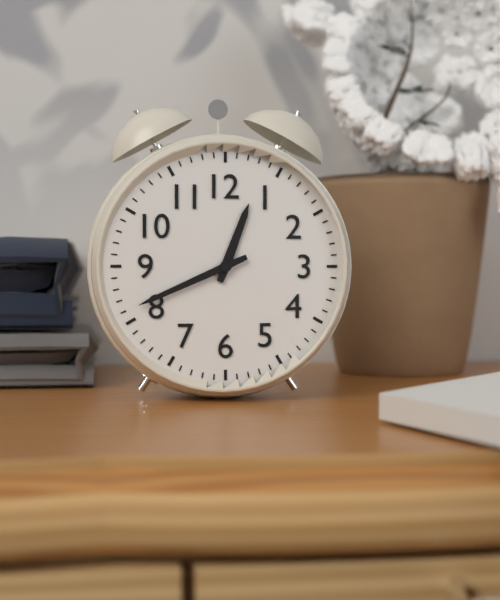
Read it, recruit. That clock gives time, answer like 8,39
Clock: 12,41
